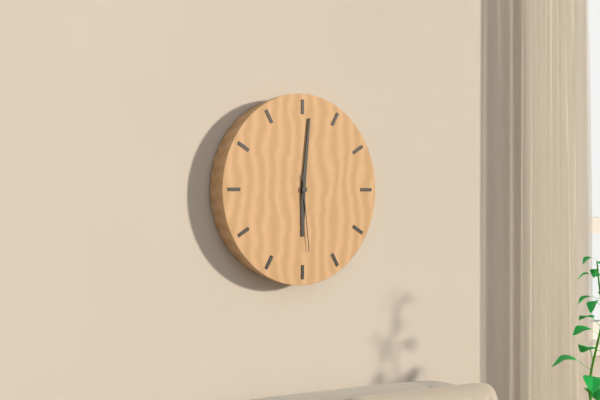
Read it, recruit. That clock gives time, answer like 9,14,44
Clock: 6,01,29
